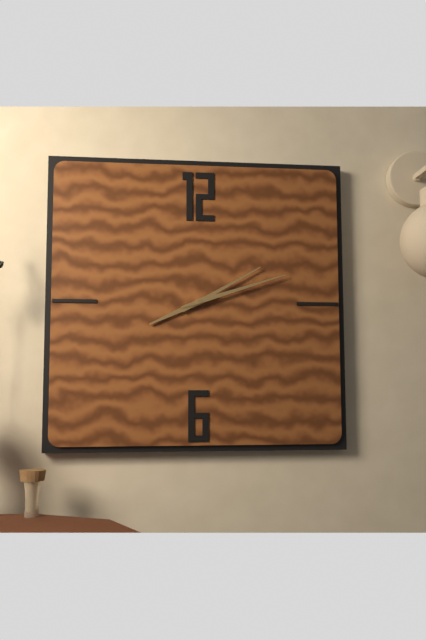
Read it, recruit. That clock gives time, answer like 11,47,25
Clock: 8,10,12
